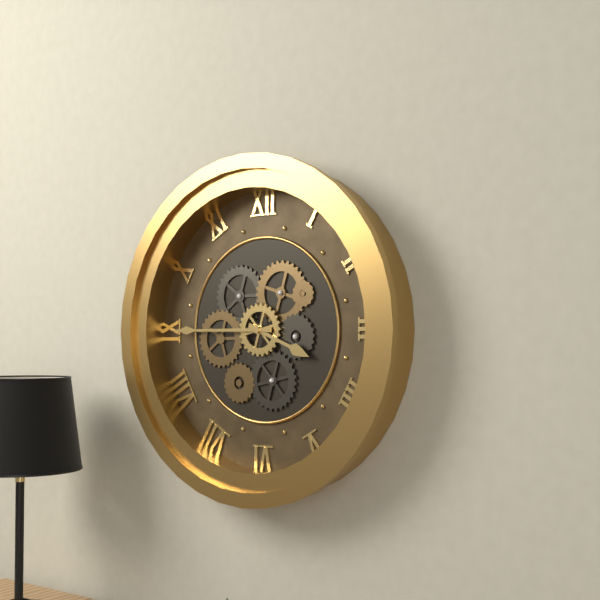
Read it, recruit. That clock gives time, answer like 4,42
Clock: 3,45
